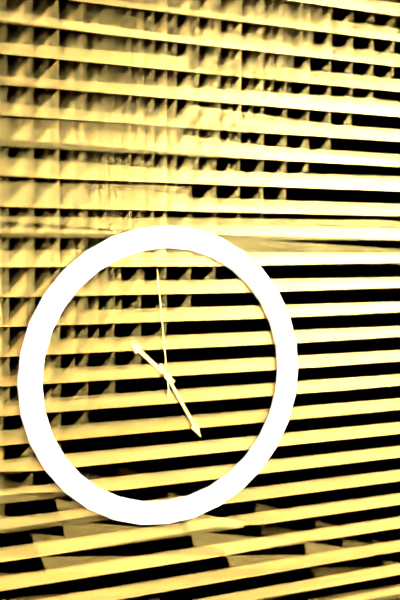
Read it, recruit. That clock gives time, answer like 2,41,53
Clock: 10,25,59
